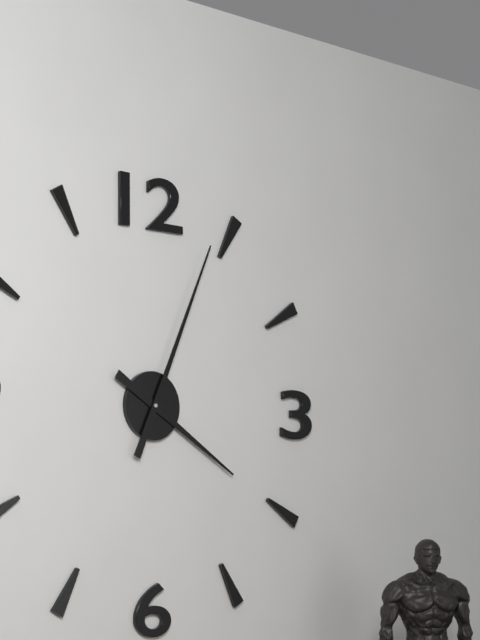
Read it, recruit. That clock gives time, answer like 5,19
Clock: 4,04
